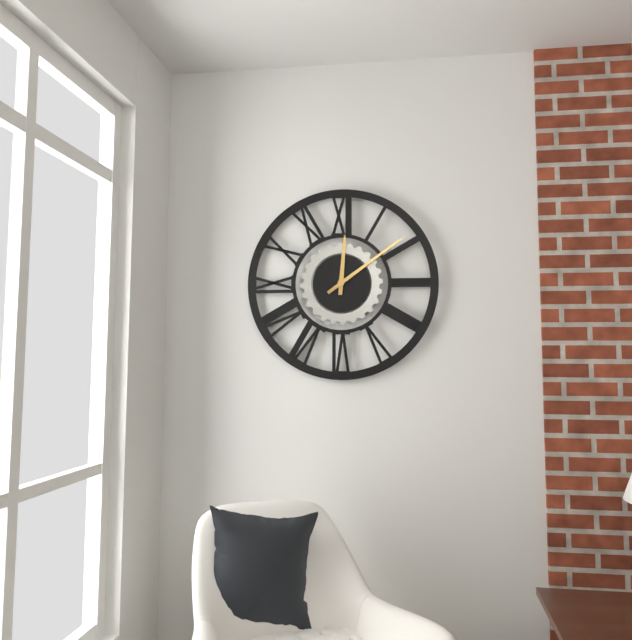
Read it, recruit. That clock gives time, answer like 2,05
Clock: 12,09
